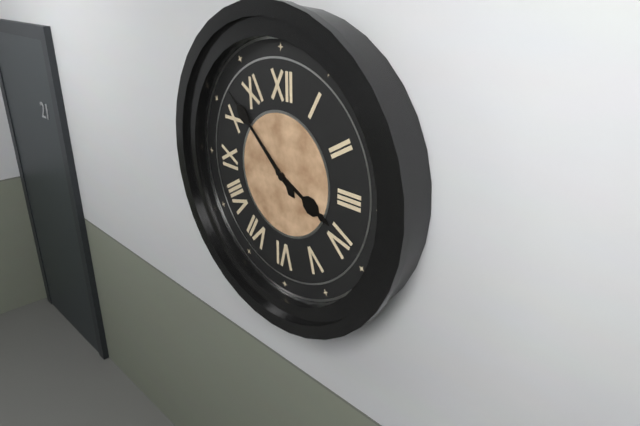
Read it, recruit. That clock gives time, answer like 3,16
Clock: 3,52
